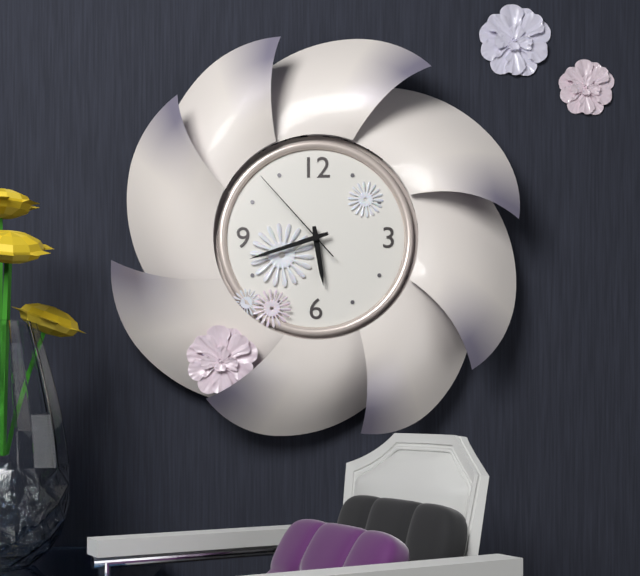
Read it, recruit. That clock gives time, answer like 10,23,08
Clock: 5,42,53
